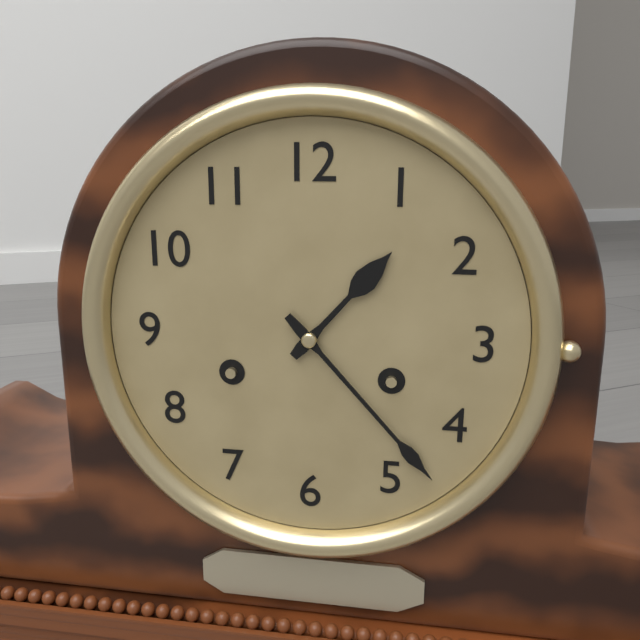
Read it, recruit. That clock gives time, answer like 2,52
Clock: 1,23
